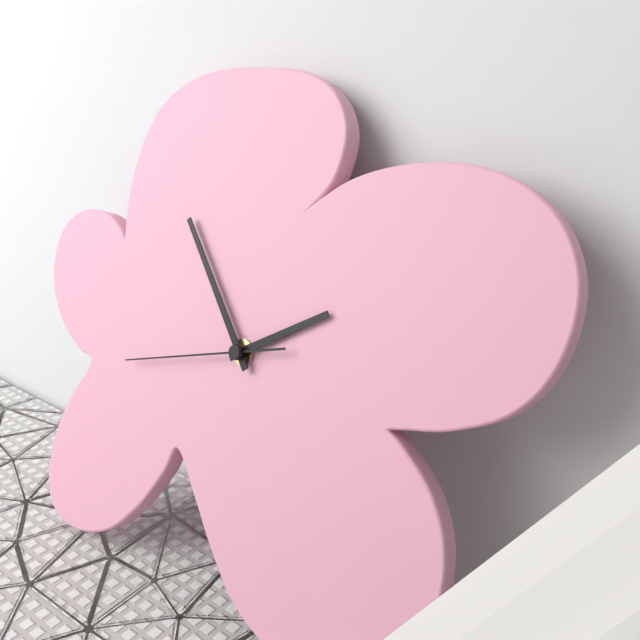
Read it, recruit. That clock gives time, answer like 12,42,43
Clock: 1,53,42
